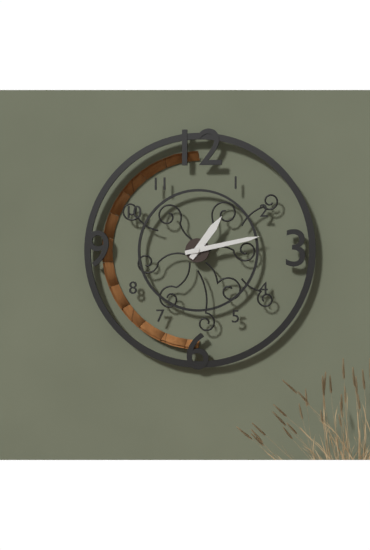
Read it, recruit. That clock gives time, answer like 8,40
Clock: 1,13
